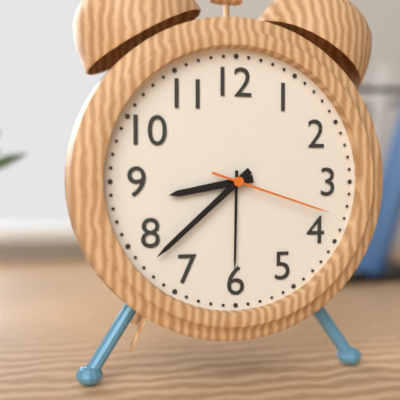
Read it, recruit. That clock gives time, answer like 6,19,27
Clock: 8,38,18
